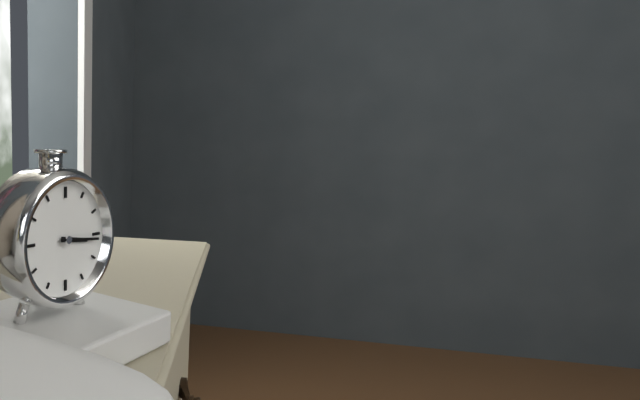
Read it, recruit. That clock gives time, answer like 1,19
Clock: 3,16
